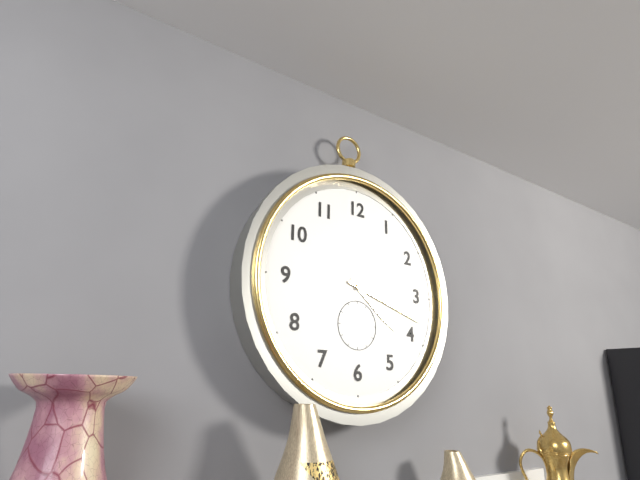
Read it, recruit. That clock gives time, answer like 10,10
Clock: 4,18
